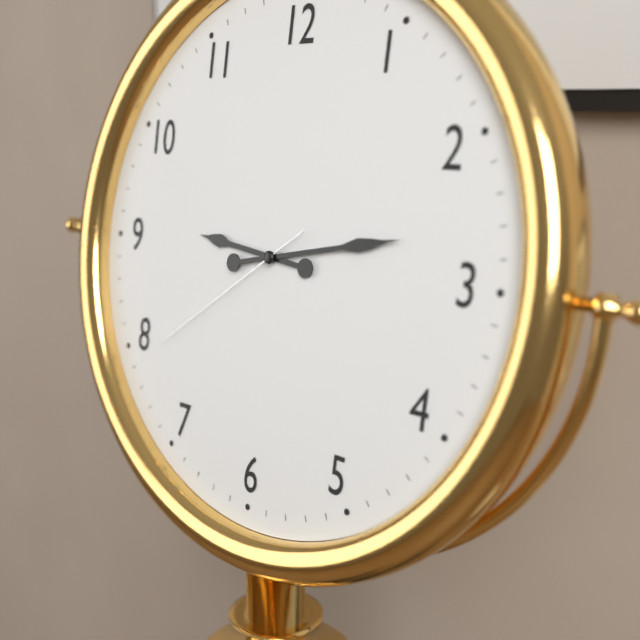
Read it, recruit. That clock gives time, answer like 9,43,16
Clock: 9,13,39
